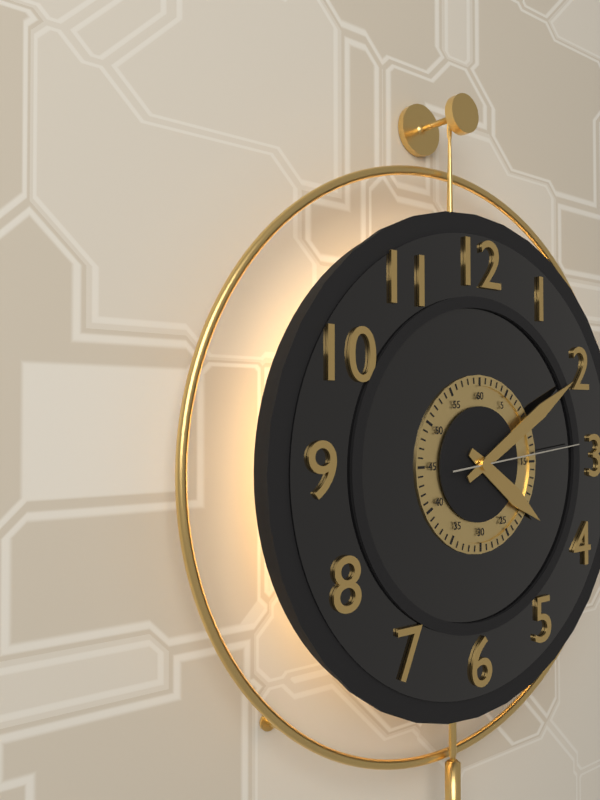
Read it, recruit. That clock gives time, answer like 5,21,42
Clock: 4,10,14
